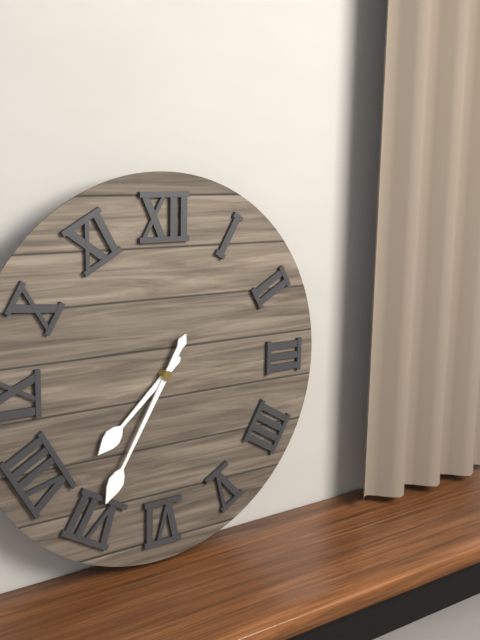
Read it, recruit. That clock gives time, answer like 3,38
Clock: 7,35
